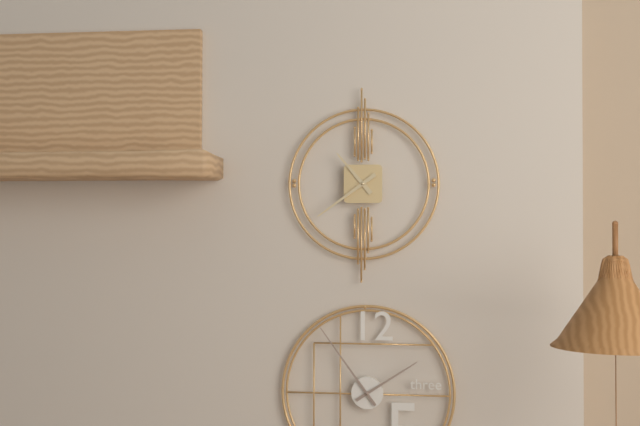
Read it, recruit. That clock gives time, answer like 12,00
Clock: 10,39
